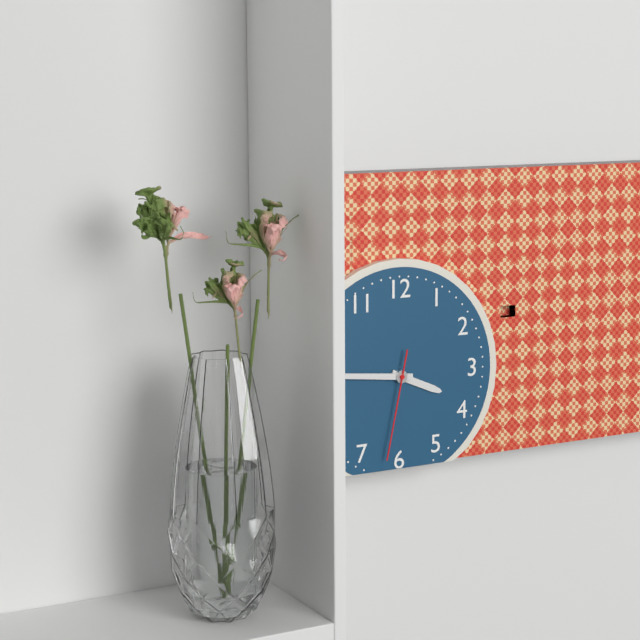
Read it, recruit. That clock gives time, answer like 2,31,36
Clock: 3,46,32
